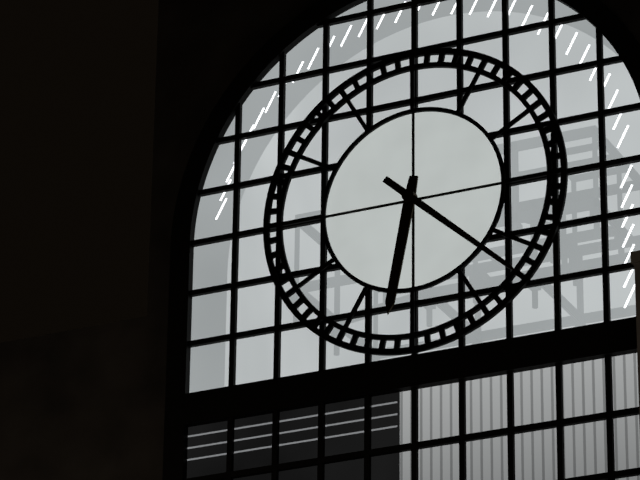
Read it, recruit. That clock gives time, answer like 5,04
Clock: 6,22
